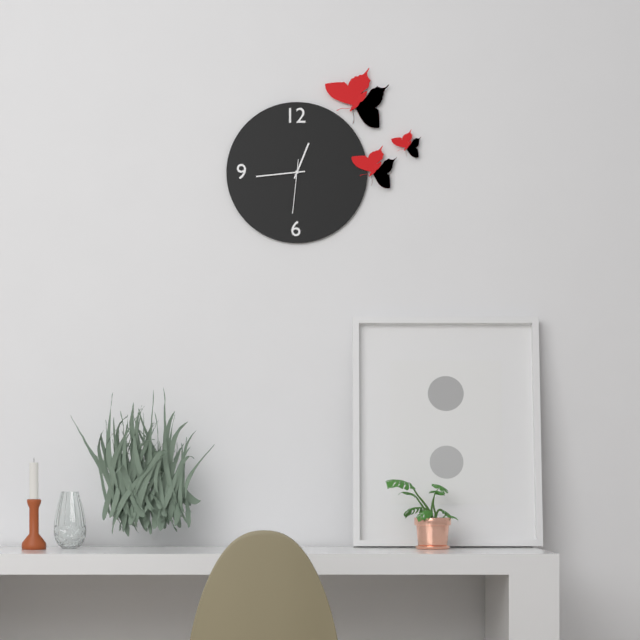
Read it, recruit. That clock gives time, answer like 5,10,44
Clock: 12,44,31
